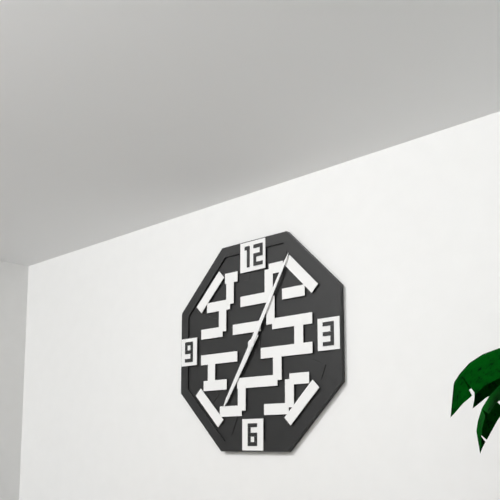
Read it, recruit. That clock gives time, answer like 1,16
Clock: 7,05
